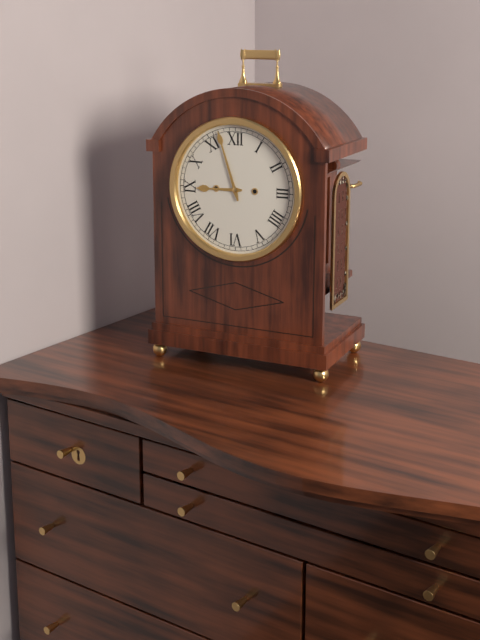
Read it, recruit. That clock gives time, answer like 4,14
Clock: 8,57
